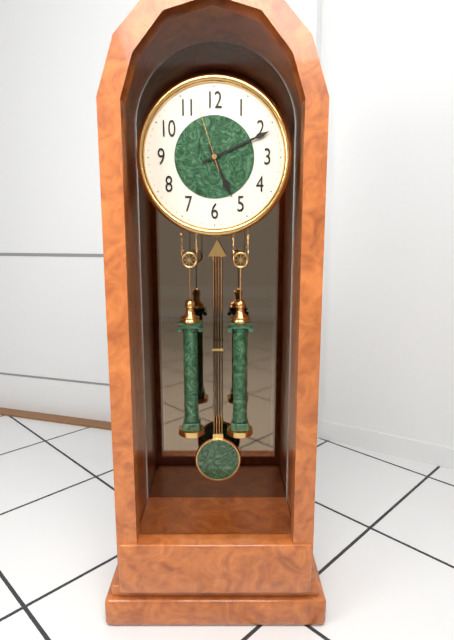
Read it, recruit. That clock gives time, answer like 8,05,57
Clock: 5,11,57
